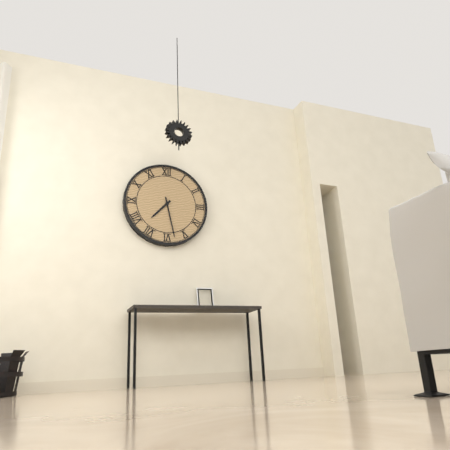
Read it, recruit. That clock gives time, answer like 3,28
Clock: 7,28
